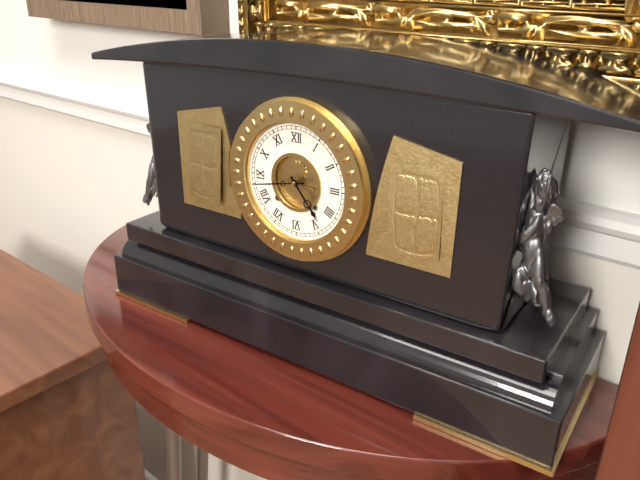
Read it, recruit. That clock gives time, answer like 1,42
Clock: 4,43
